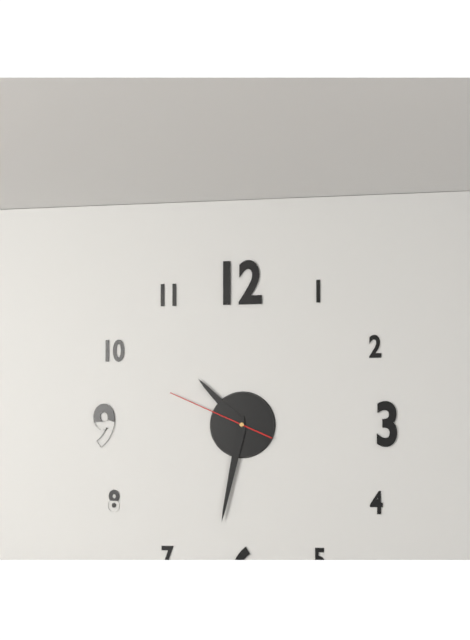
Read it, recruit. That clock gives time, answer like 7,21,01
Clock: 10,32,49
